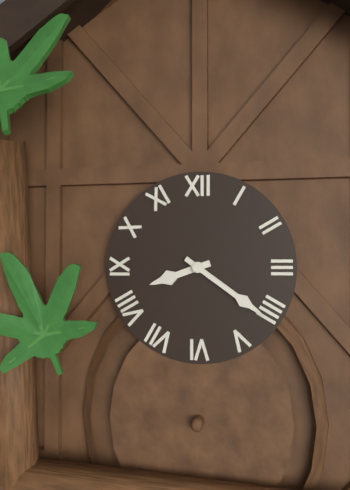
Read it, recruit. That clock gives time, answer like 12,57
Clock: 8,21
